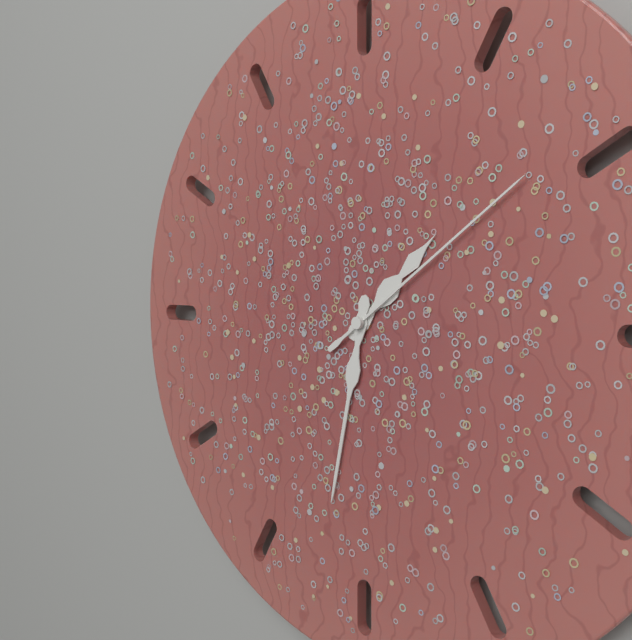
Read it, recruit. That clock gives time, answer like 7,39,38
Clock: 1,32,09
